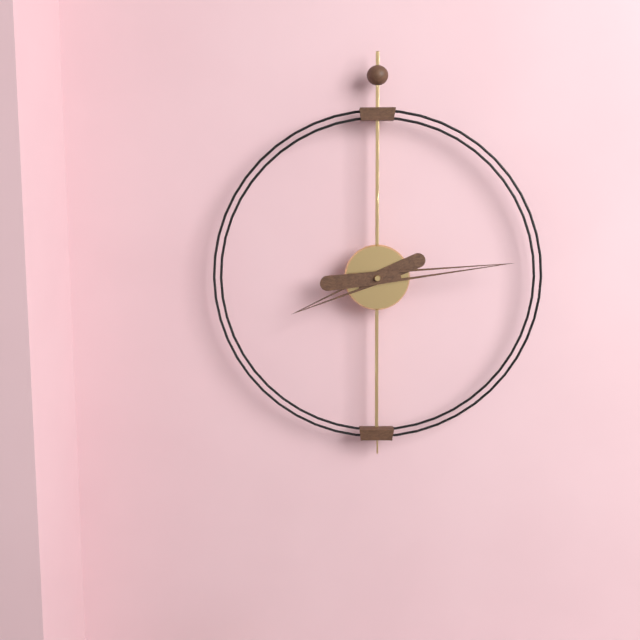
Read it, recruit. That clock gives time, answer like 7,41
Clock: 8,14
